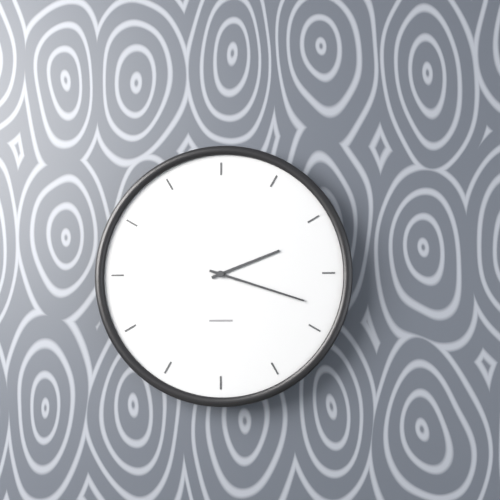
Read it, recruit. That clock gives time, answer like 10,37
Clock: 2,18
